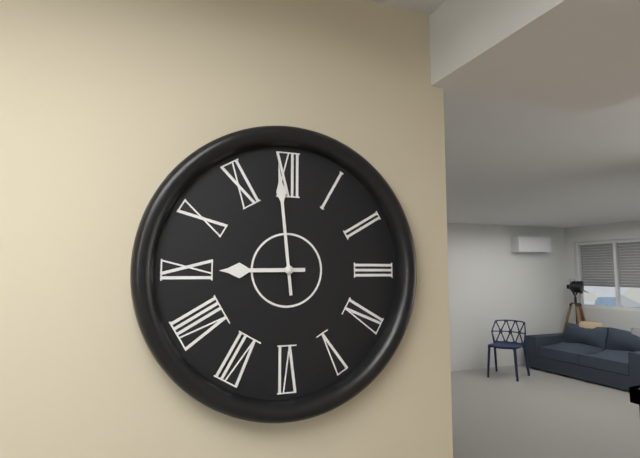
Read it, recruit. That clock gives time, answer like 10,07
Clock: 8,59
